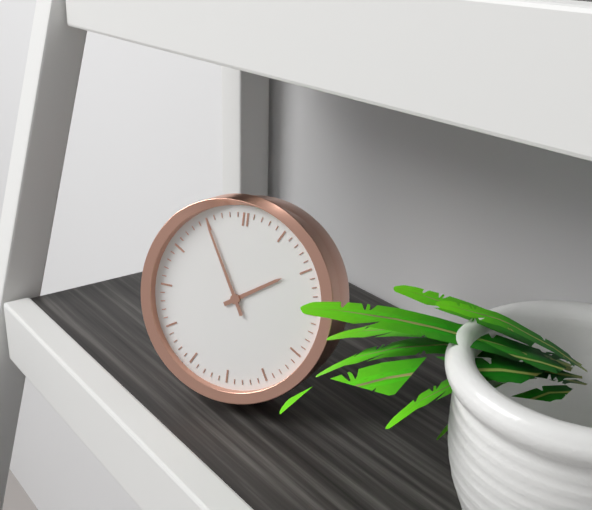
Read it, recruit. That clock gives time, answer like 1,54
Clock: 1,55
